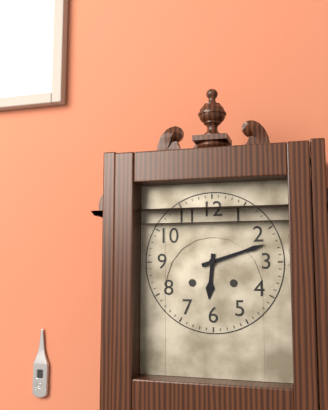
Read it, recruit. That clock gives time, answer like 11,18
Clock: 6,12
